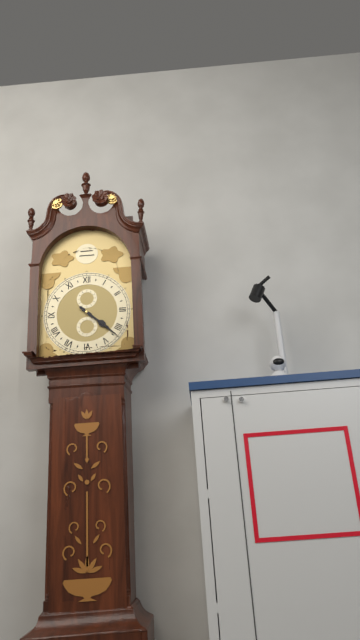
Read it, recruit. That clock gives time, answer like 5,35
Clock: 4,22
